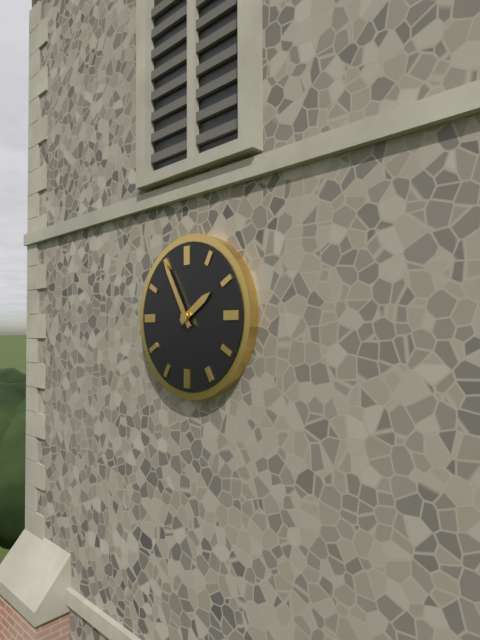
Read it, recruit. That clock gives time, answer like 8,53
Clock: 1,55
